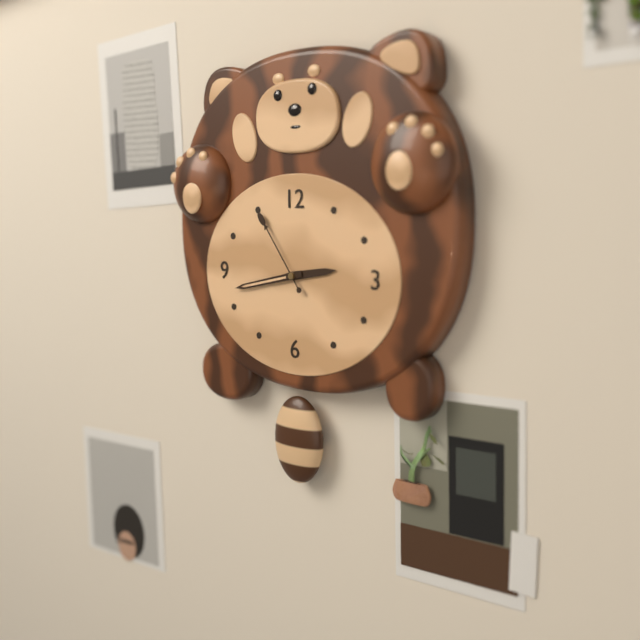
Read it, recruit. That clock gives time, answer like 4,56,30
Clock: 2,43,54
